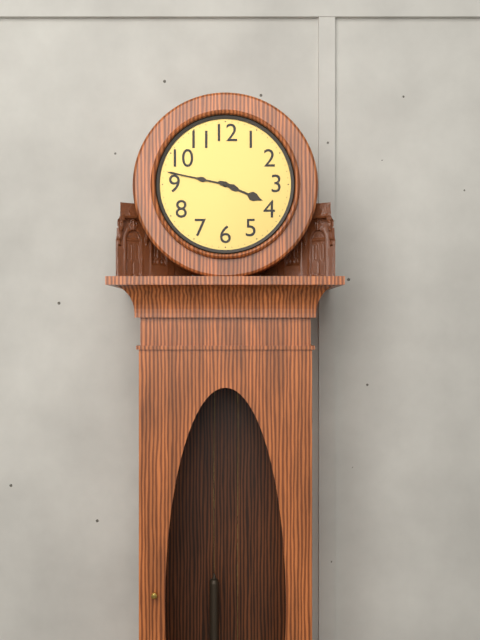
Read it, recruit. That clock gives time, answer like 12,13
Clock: 3,47
